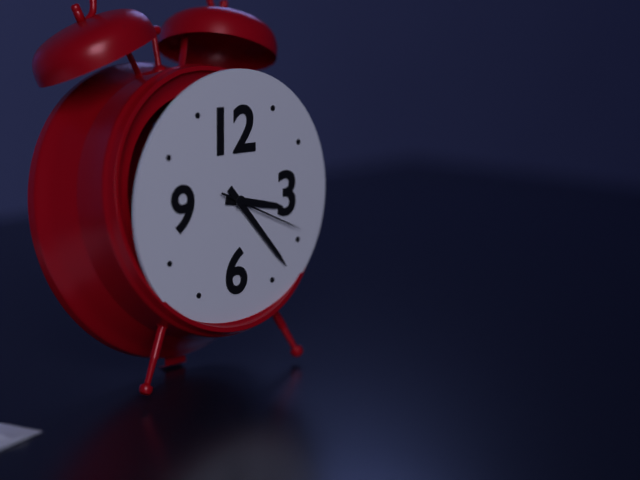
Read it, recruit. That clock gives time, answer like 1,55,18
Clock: 3,23,19
